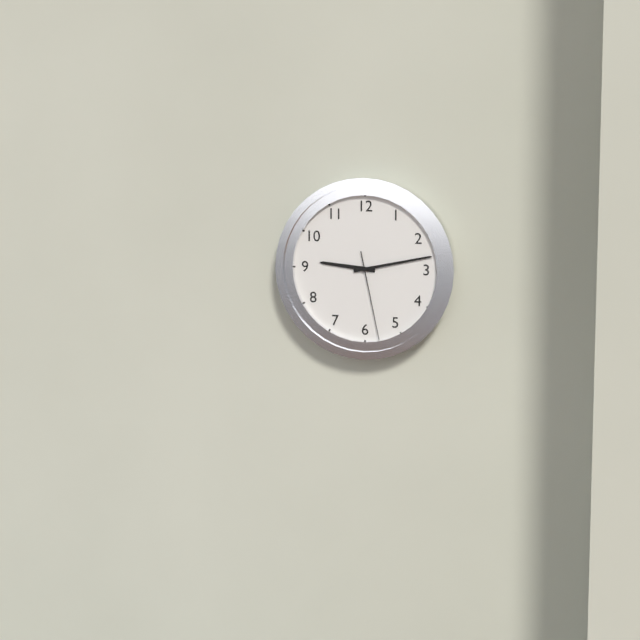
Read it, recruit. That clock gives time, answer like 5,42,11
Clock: 9,13,28
